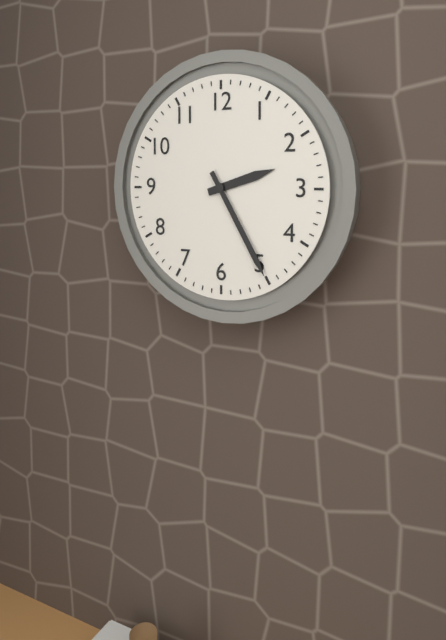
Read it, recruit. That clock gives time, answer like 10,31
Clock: 2,25
